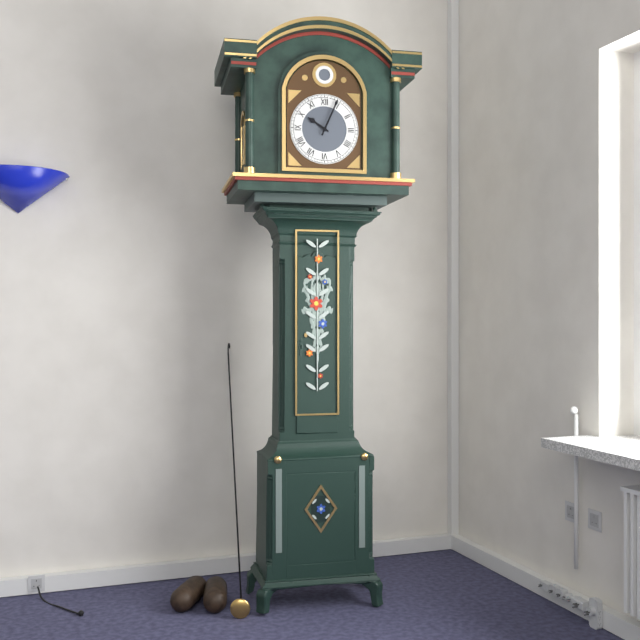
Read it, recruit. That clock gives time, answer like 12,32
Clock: 10,04
